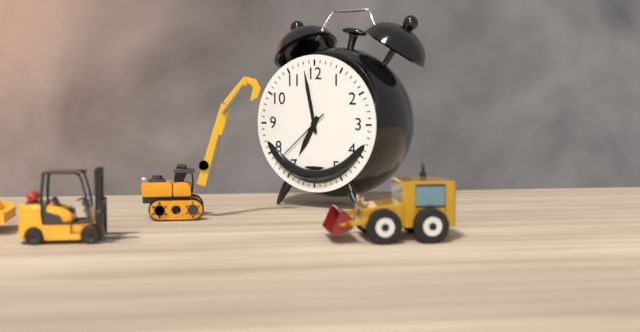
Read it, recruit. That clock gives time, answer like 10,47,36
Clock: 6,58,38
